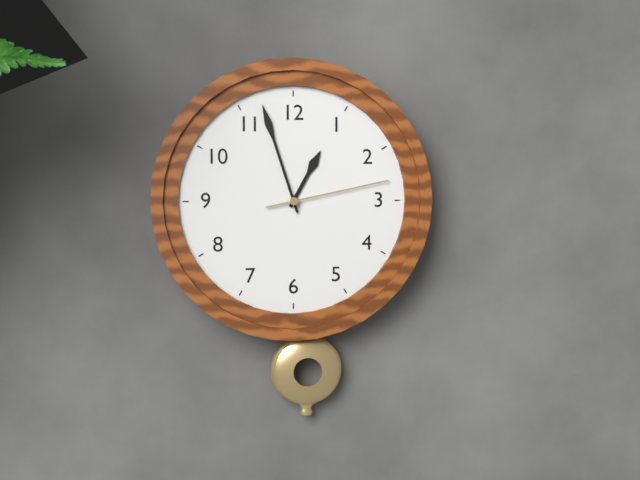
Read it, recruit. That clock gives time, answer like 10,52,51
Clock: 12,57,13
